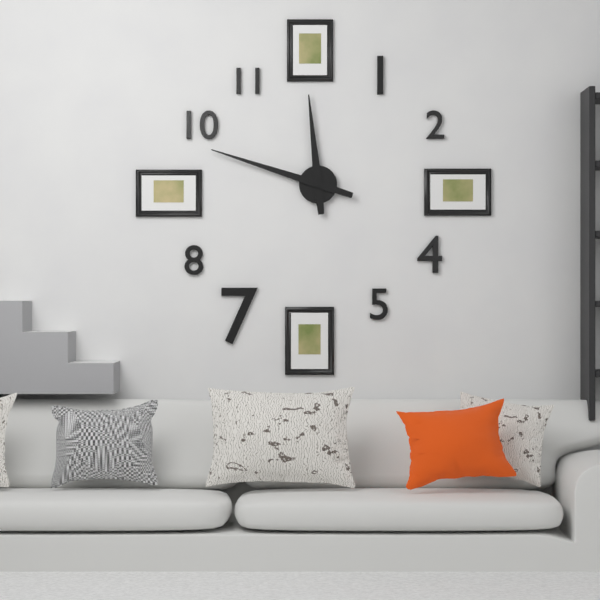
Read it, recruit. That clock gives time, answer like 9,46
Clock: 11,48
